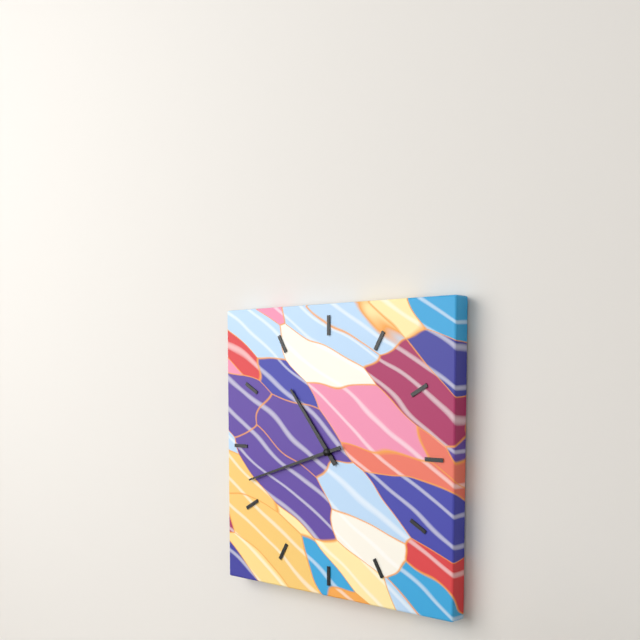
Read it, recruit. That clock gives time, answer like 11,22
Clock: 10,42
